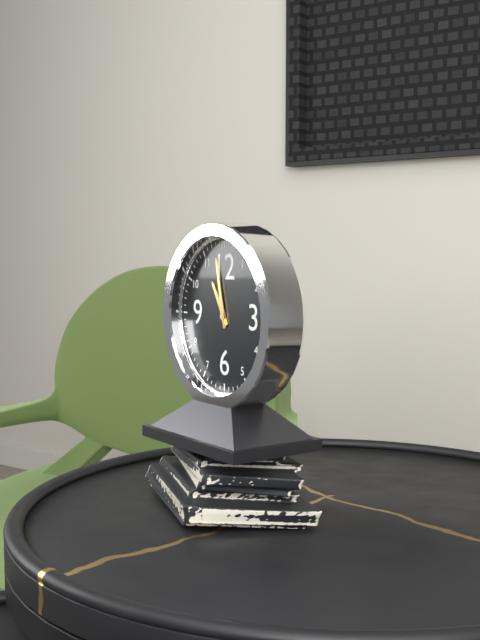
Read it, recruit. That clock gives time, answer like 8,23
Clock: 10,58
